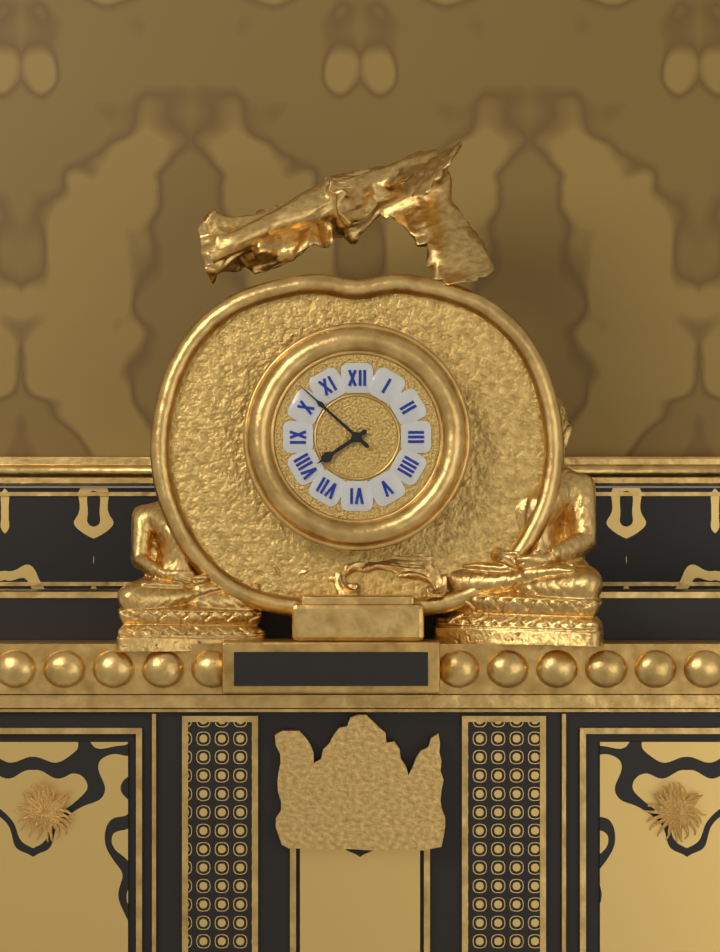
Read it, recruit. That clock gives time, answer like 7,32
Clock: 7,52
